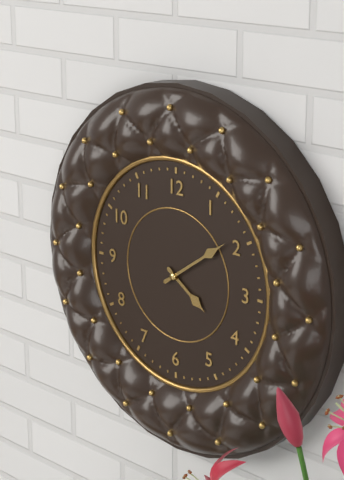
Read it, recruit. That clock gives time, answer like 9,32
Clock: 4,09
